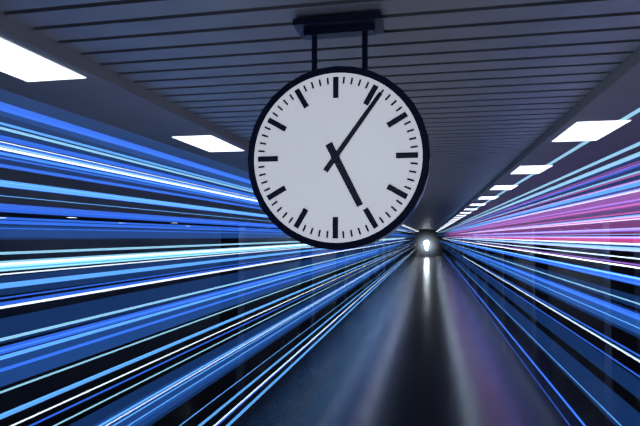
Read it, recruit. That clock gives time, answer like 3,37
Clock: 5,06
